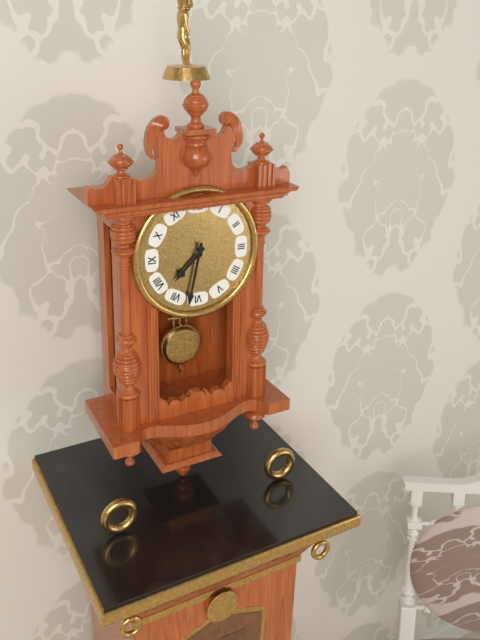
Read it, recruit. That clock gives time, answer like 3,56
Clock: 7,32
